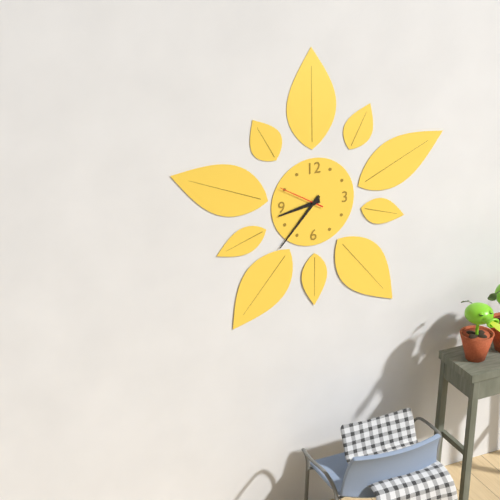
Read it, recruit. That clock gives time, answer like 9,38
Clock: 8,37
